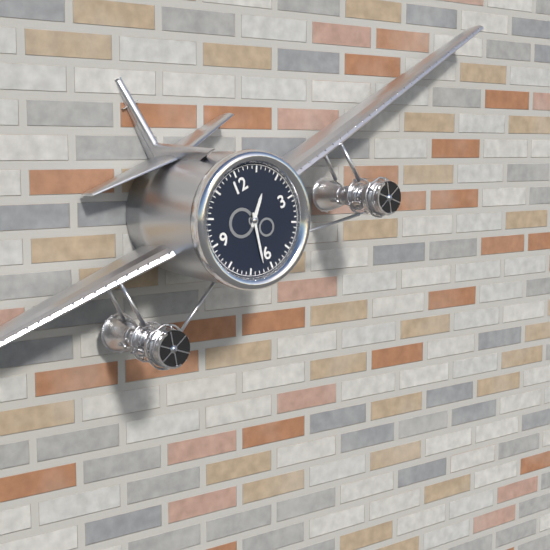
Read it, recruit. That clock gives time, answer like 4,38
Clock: 1,32
